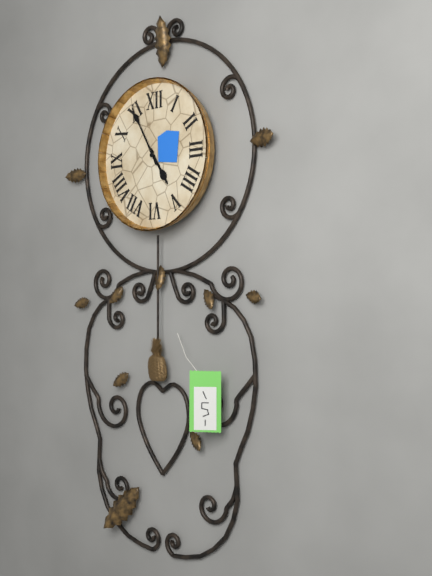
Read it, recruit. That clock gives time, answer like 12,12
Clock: 4,55
